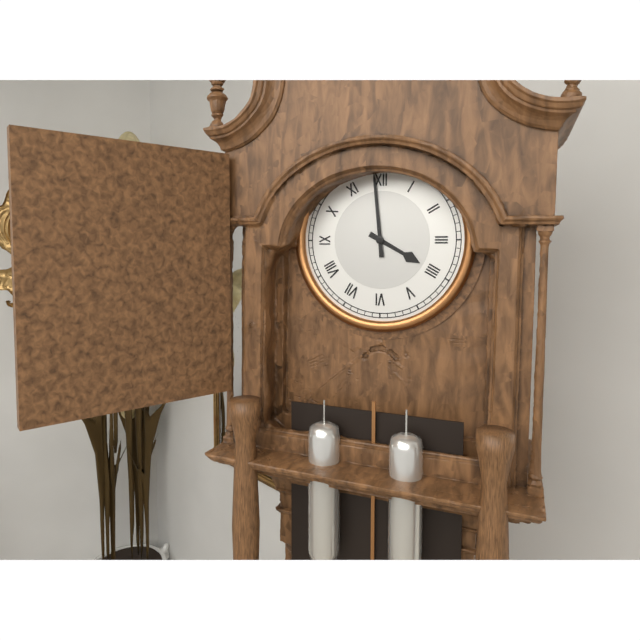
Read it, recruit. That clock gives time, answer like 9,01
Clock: 3,59
